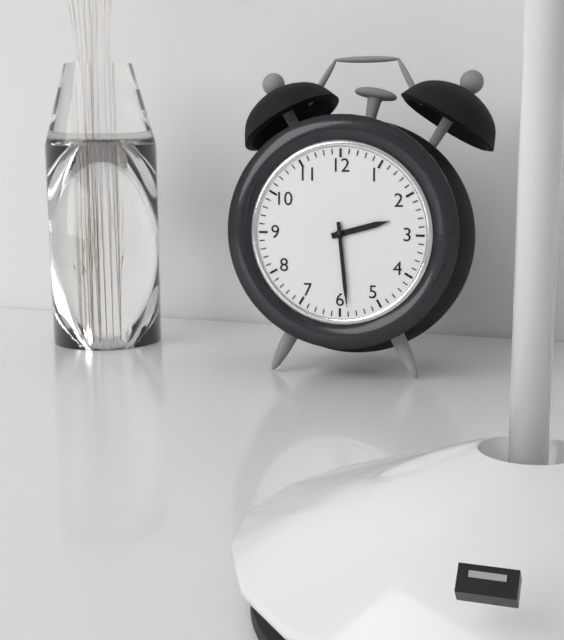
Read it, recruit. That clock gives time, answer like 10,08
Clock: 2,29
